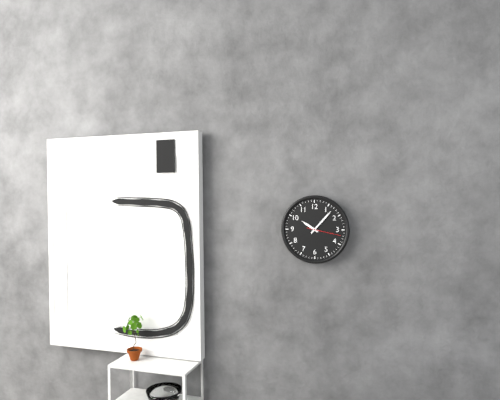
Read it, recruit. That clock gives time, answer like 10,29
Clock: 10,07
